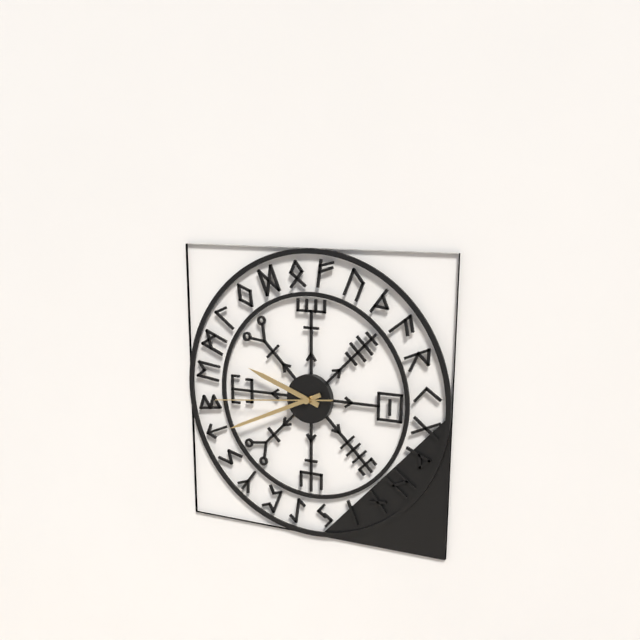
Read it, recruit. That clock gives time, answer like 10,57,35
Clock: 9,41,44
